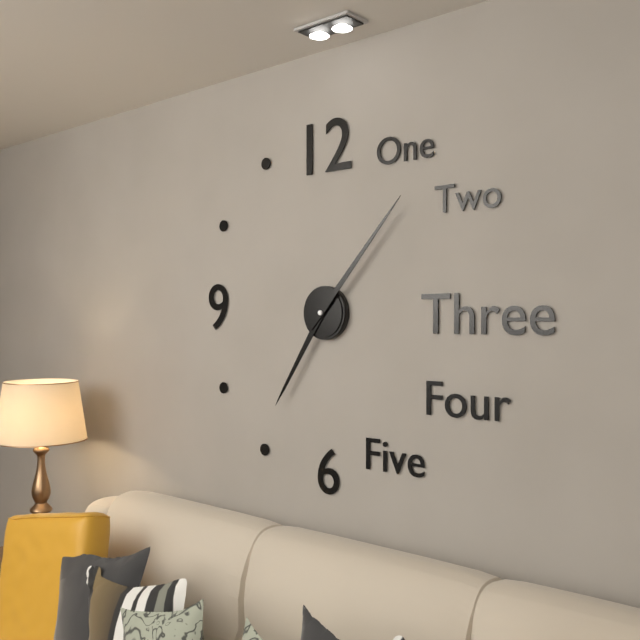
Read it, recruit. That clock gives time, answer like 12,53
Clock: 7,07
